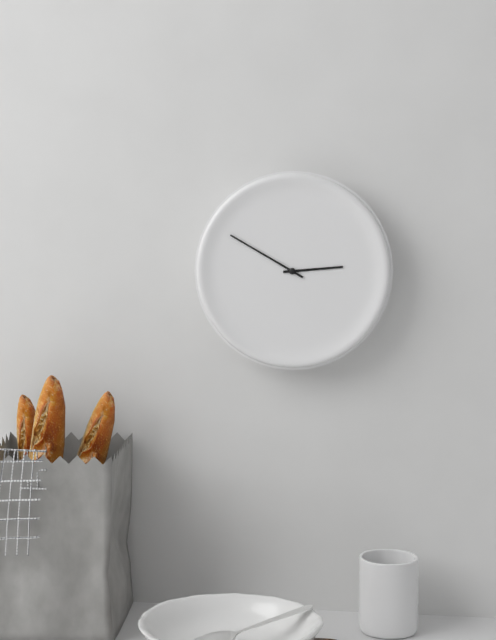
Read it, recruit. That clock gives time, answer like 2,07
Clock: 2,50
